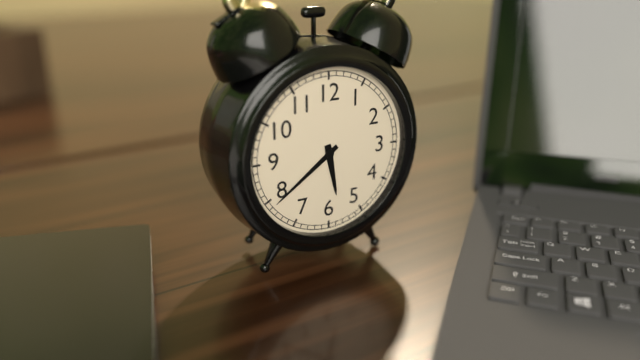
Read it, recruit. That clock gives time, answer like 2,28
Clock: 5,39
